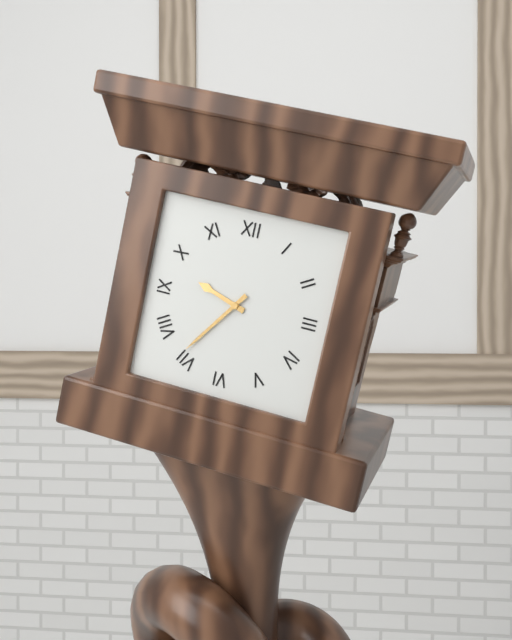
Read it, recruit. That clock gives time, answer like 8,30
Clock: 9,36
